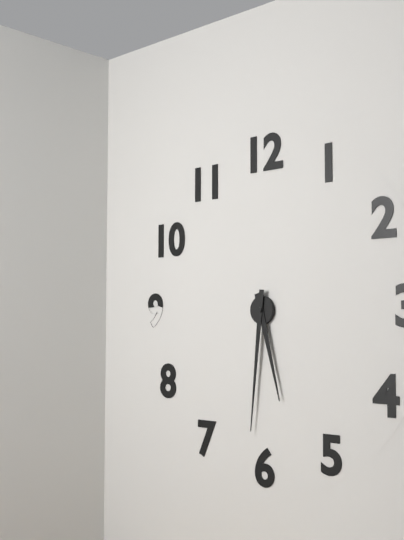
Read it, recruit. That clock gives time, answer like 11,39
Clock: 5,31
